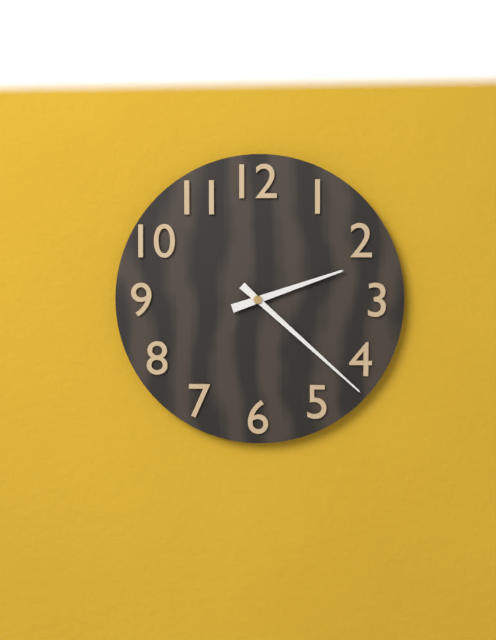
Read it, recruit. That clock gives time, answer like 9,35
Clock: 2,22
